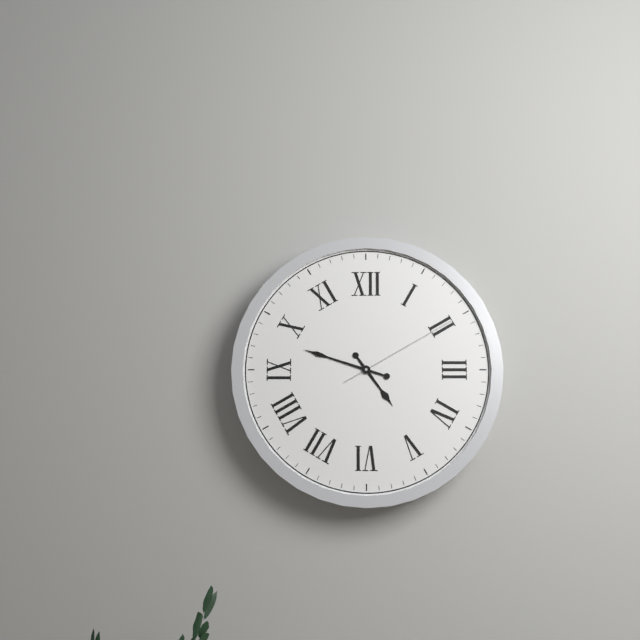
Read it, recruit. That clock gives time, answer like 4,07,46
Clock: 4,48,10
